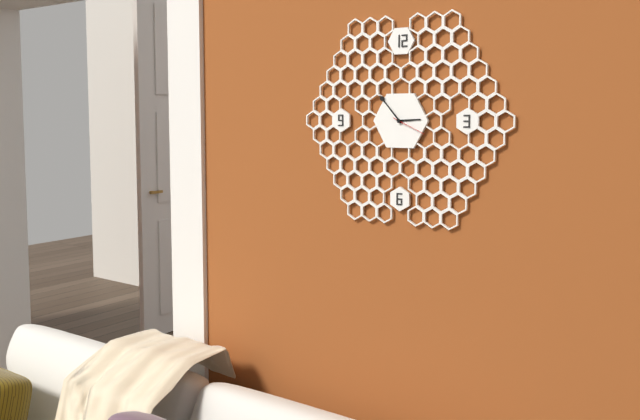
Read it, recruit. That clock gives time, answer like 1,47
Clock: 2,53
